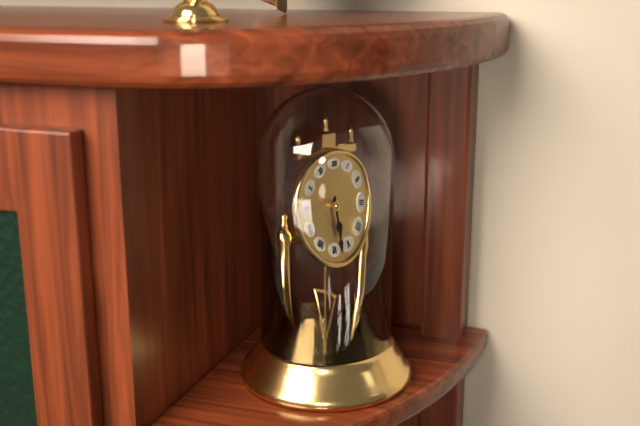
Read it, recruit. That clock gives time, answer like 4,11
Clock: 5,28
